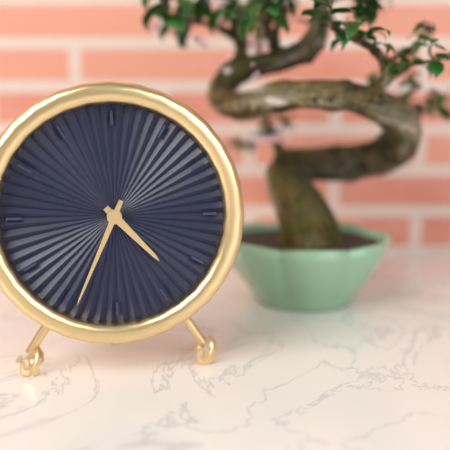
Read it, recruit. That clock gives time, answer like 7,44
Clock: 4,34
